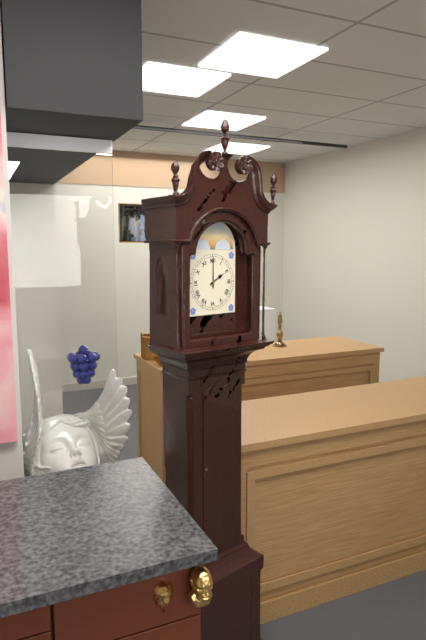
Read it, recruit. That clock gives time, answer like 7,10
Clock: 2,00
